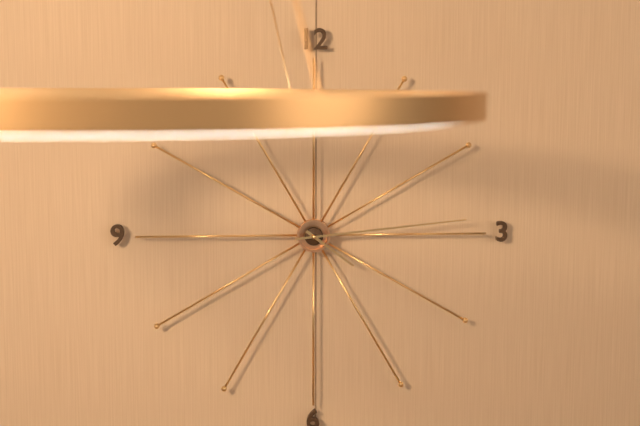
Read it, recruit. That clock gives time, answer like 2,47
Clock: 4,14
